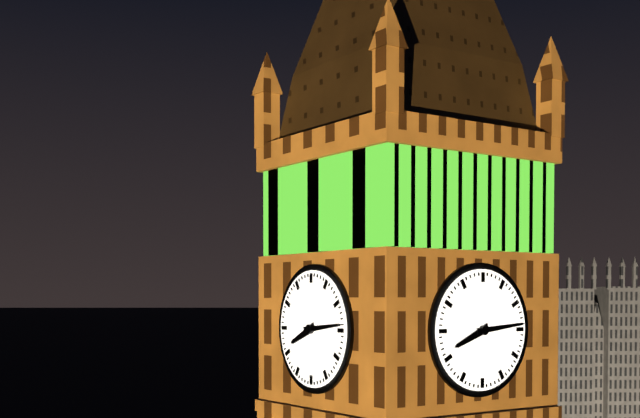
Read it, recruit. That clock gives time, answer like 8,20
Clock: 8,14
